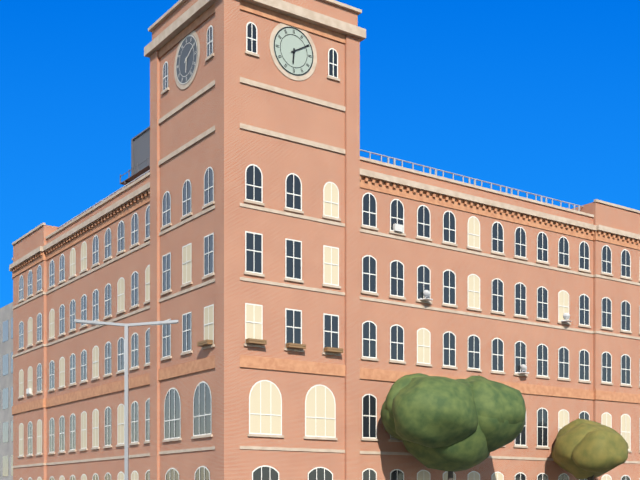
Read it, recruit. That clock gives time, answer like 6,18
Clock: 6,10
